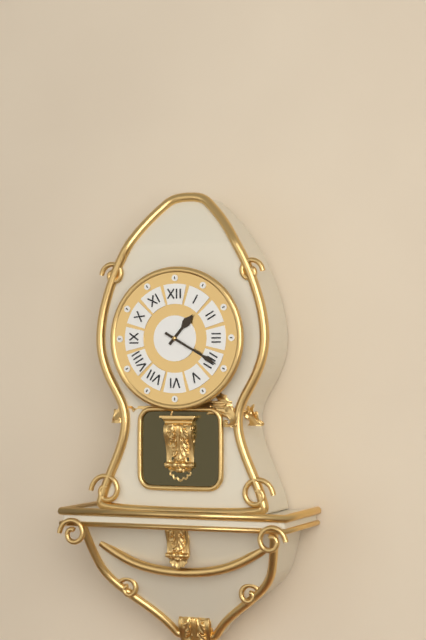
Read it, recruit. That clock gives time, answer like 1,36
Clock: 1,20
